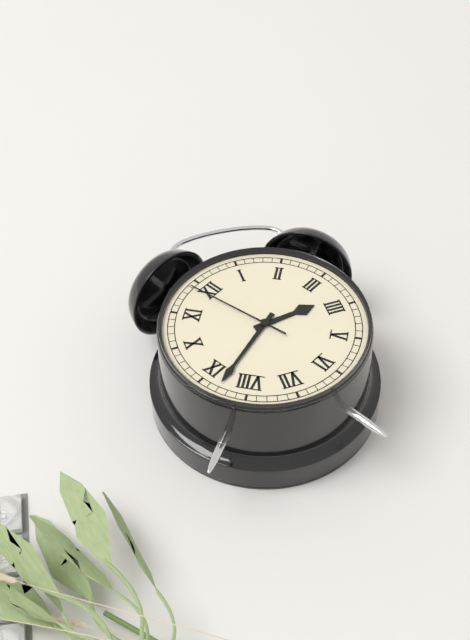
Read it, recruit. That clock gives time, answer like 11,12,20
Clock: 3,43,59
